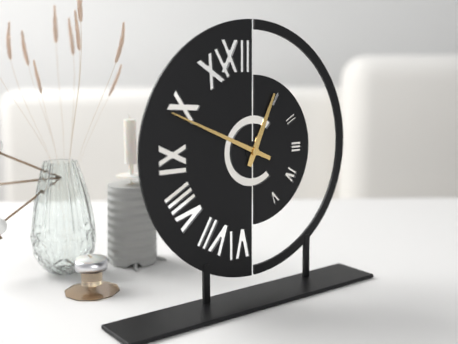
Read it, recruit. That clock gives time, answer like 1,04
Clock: 12,49
